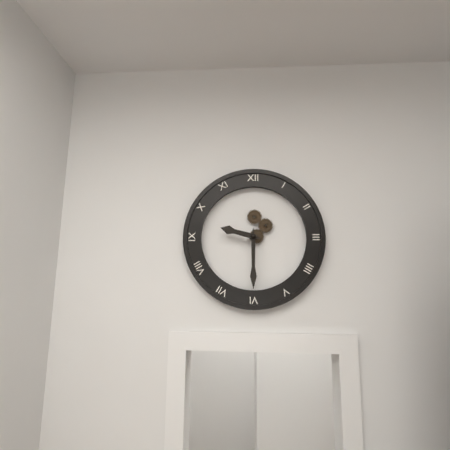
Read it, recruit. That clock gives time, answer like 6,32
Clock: 9,30
